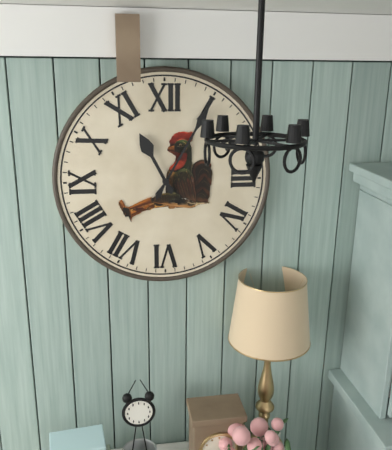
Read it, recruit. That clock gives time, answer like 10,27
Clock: 11,05
